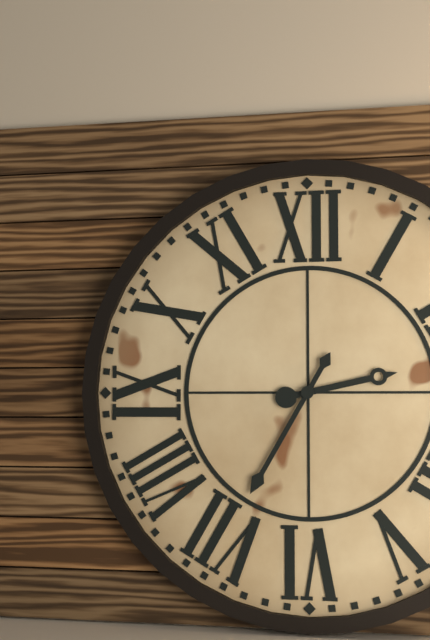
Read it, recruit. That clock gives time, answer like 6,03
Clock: 2,35
